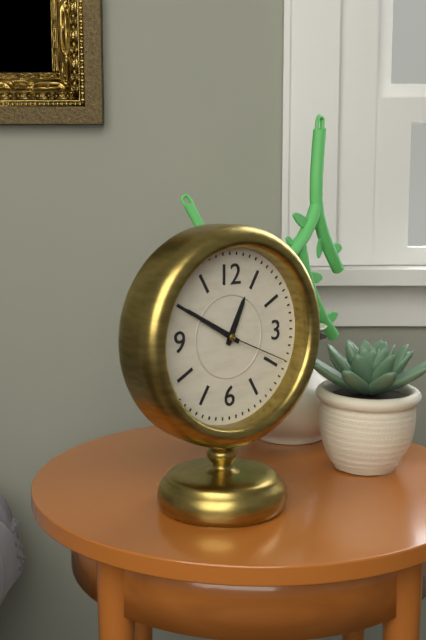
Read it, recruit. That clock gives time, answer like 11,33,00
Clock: 12,50,19
